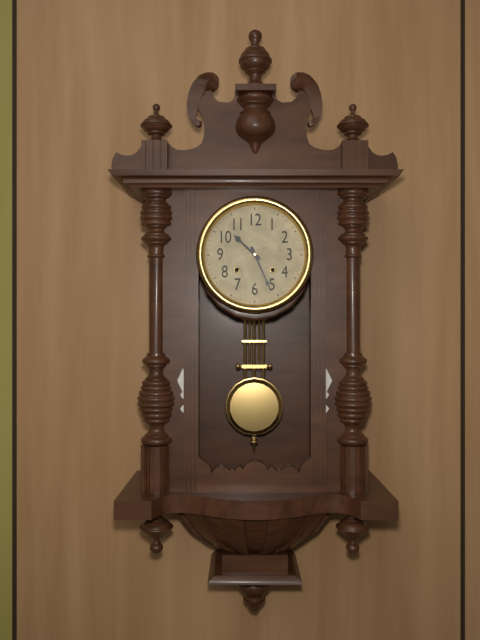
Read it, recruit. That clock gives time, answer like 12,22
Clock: 10,26
